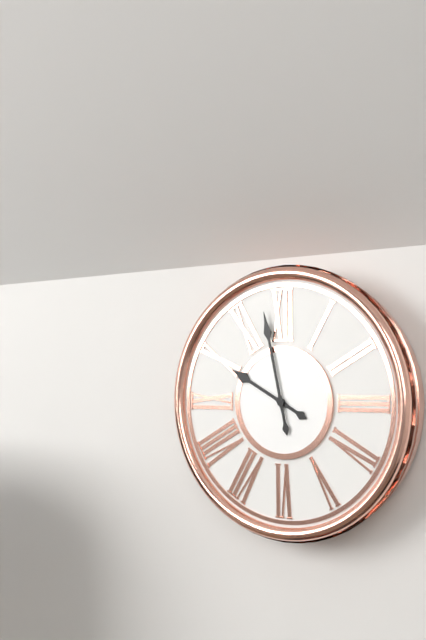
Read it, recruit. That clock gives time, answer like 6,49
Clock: 9,58
